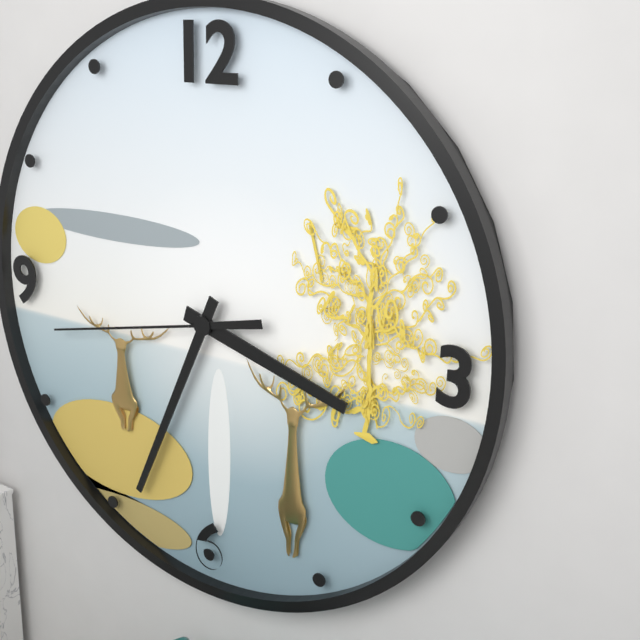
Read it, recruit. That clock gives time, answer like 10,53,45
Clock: 3,34,43
